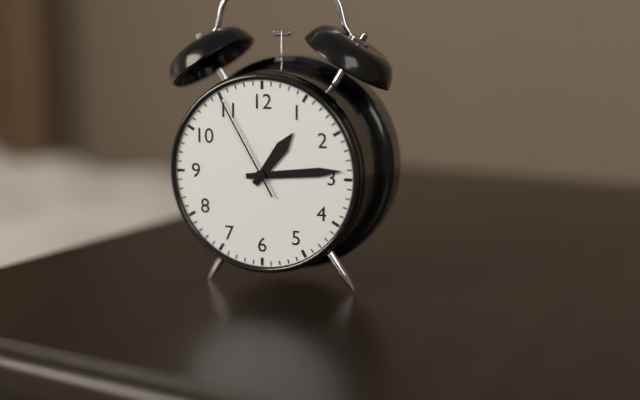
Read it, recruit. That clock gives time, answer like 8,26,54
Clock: 1,14,55
